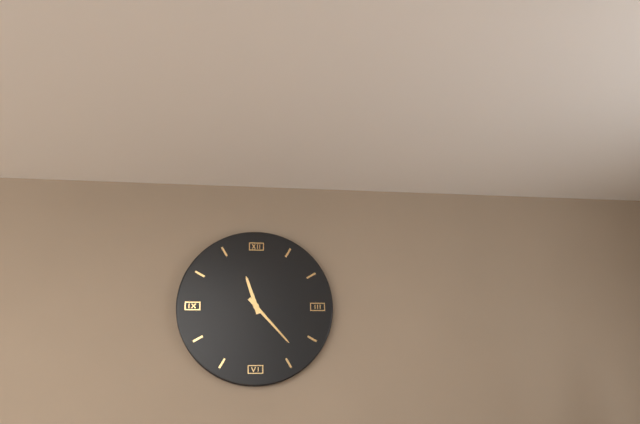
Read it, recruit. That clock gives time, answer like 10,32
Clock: 11,23
